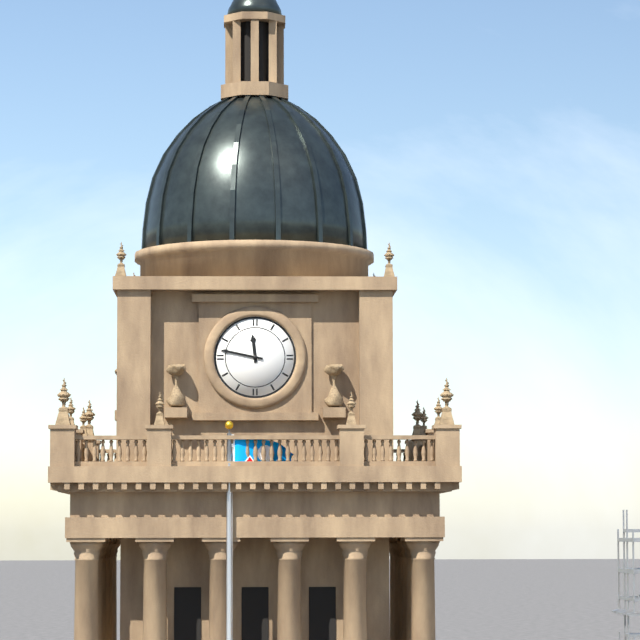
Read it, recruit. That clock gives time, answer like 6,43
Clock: 11,47
